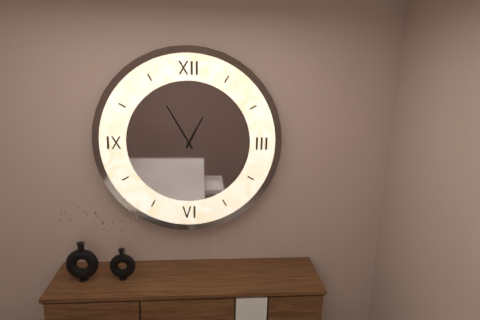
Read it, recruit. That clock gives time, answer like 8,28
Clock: 12,55
